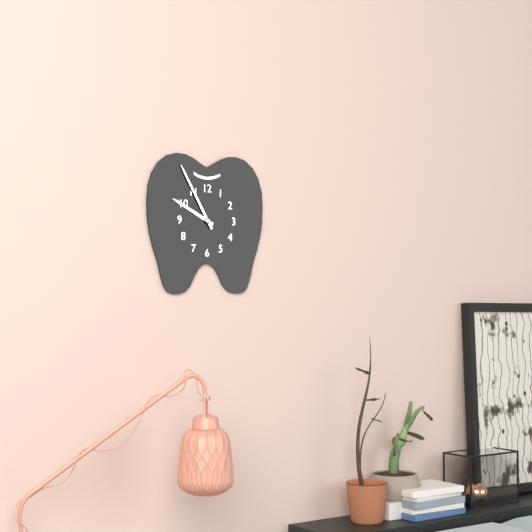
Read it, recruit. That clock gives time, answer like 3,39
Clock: 9,55
